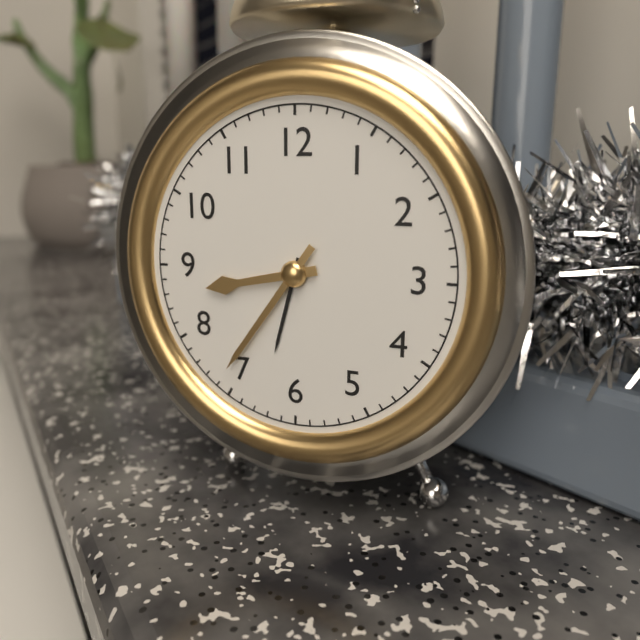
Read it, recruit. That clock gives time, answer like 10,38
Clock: 8,36
